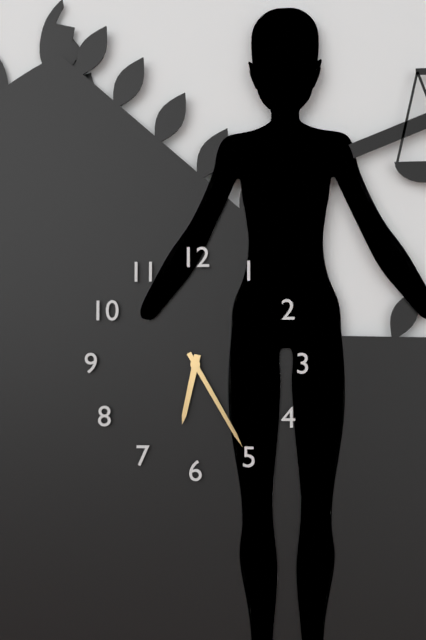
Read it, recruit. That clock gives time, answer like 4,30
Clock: 6,25
